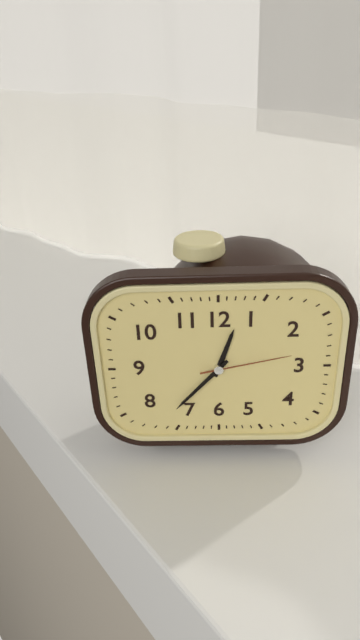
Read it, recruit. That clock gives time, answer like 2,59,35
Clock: 12,37,13
